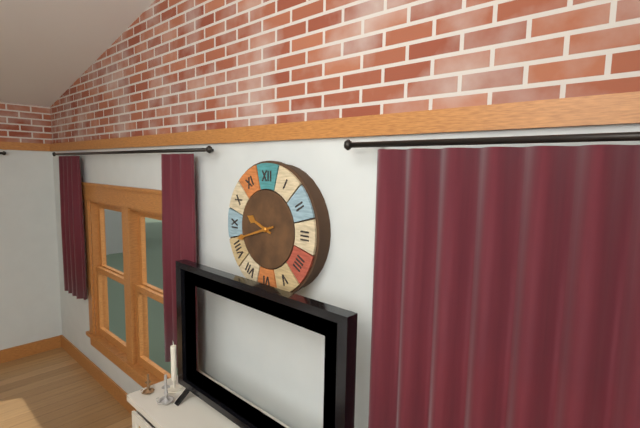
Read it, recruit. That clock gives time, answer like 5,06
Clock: 9,42
